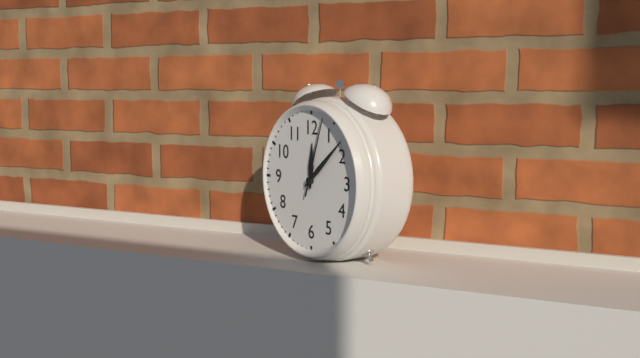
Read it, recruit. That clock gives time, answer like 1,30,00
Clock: 12,08,03
